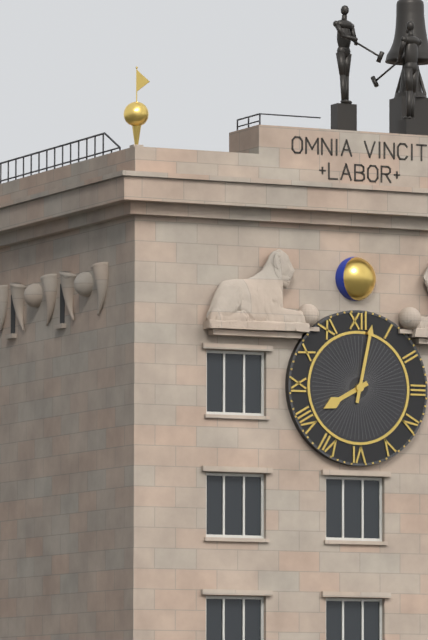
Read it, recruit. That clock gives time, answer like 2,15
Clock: 8,02
